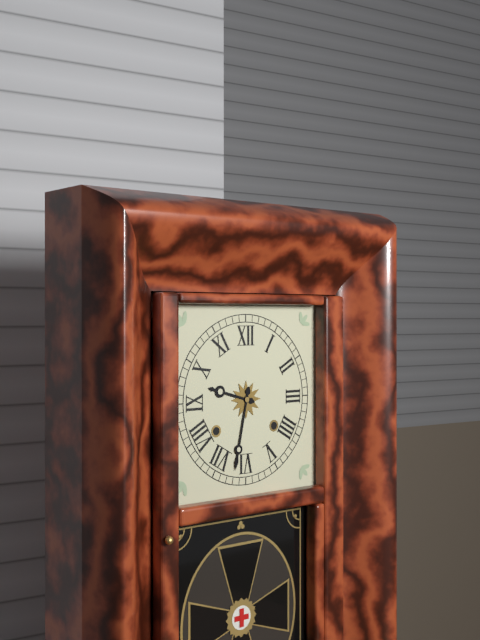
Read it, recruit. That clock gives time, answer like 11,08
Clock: 9,32
